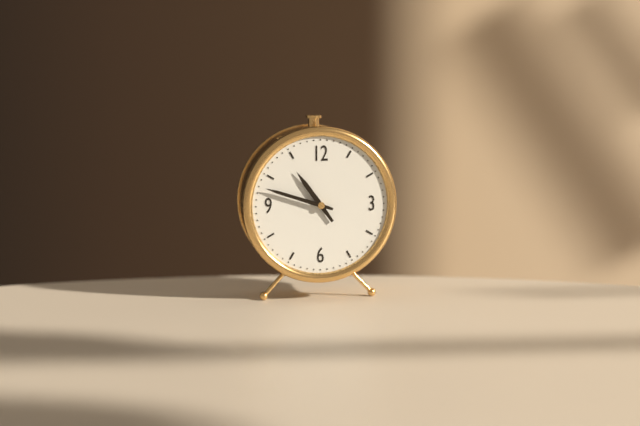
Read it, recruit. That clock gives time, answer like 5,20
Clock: 10,48
